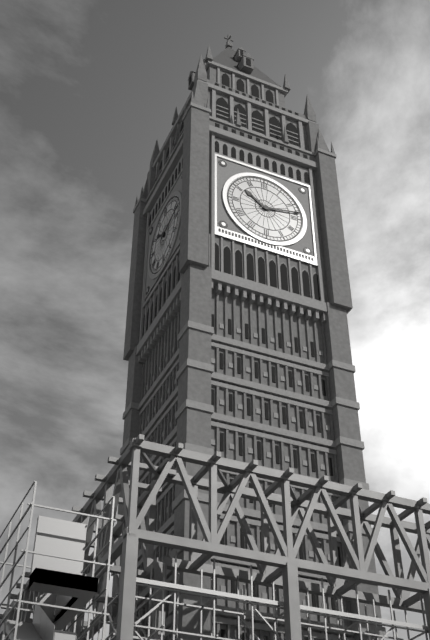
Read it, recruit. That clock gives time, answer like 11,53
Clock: 10,13
